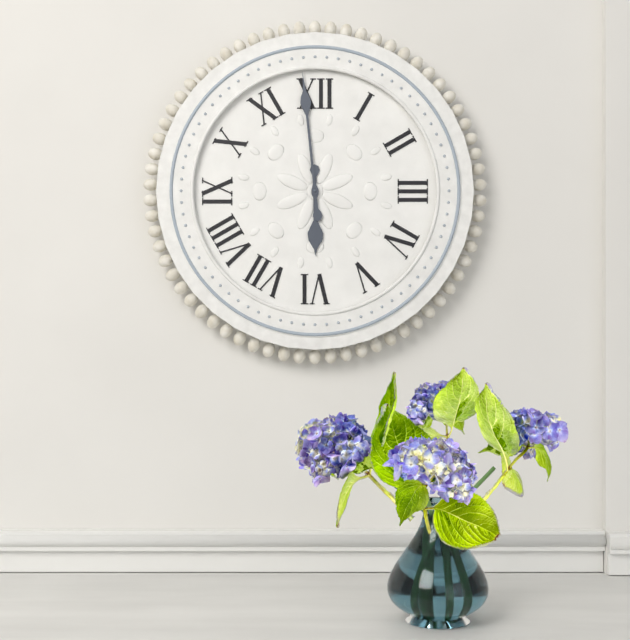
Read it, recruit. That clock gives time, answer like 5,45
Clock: 5,59
